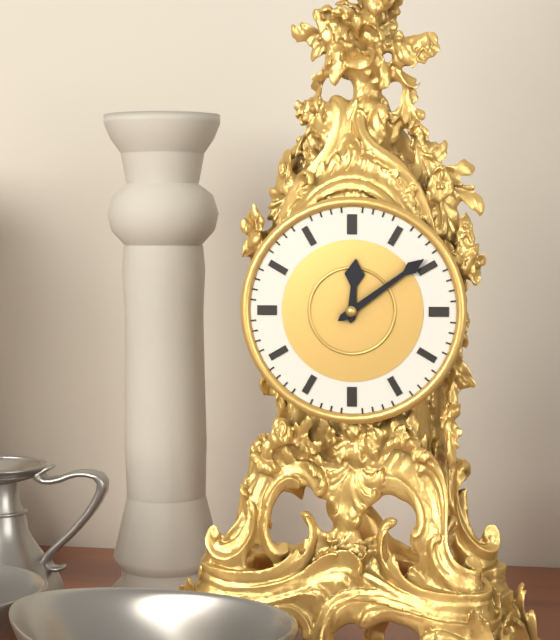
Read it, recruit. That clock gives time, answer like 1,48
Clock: 12,09
